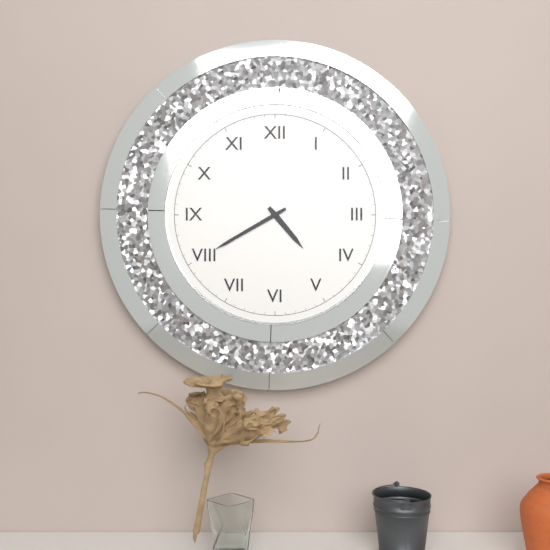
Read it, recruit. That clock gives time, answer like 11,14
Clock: 4,40
